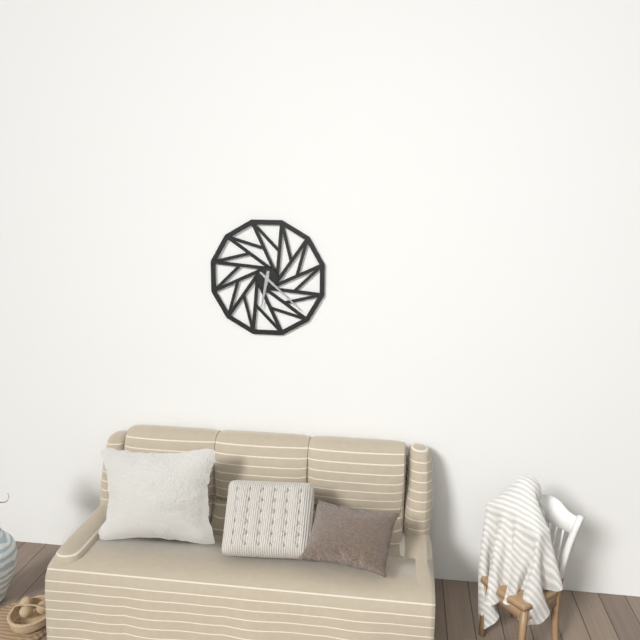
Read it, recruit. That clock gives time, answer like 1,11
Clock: 6,22
